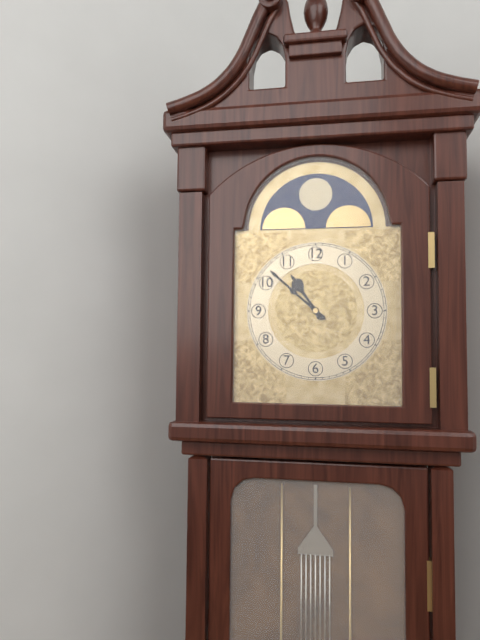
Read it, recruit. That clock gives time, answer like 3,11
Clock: 10,52
